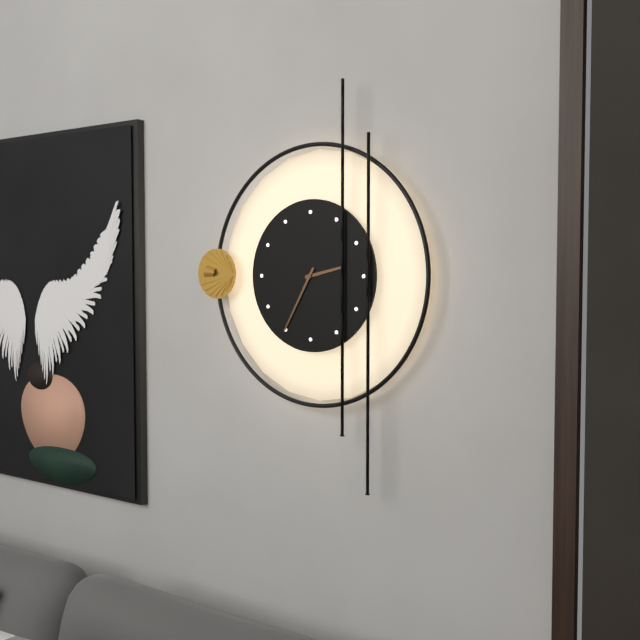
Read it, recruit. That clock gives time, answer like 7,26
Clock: 2,35
